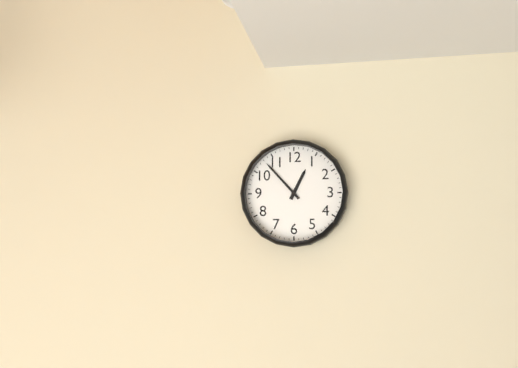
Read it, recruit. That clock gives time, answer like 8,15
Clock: 12,53
